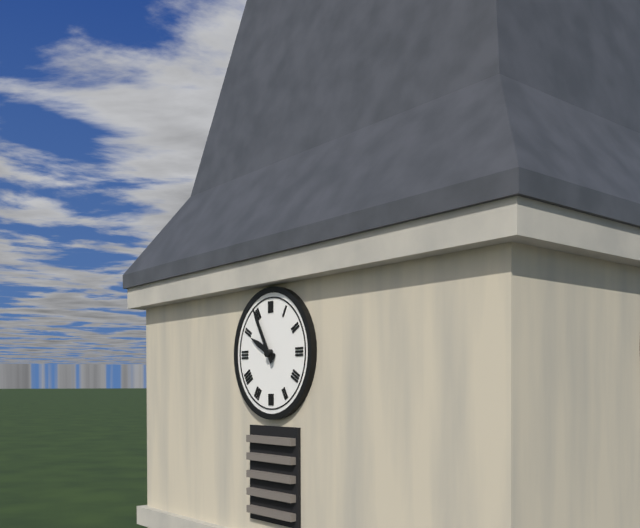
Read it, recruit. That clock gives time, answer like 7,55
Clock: 9,55
